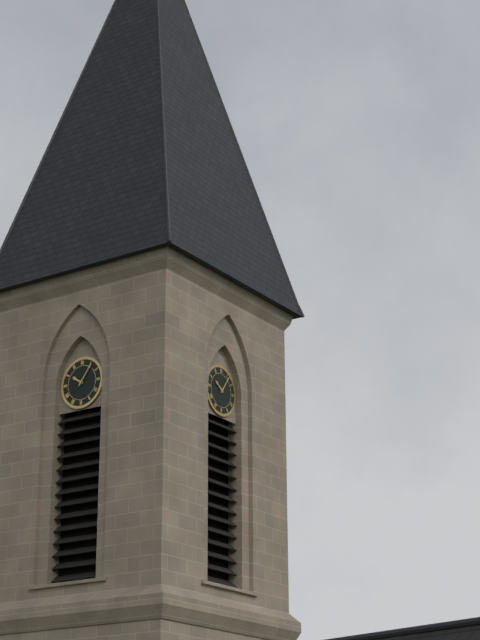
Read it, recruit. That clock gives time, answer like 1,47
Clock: 10,06
